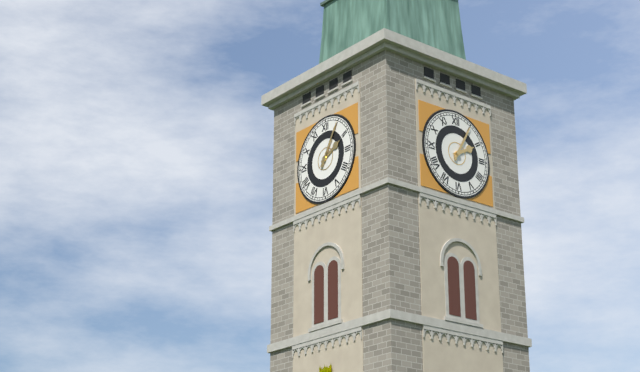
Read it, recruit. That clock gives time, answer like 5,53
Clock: 2,05
